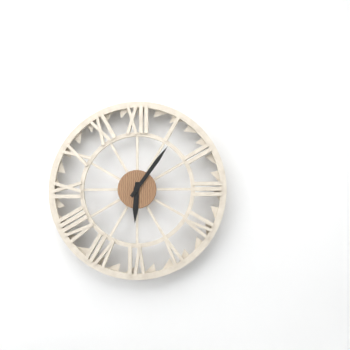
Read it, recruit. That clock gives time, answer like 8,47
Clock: 6,06
